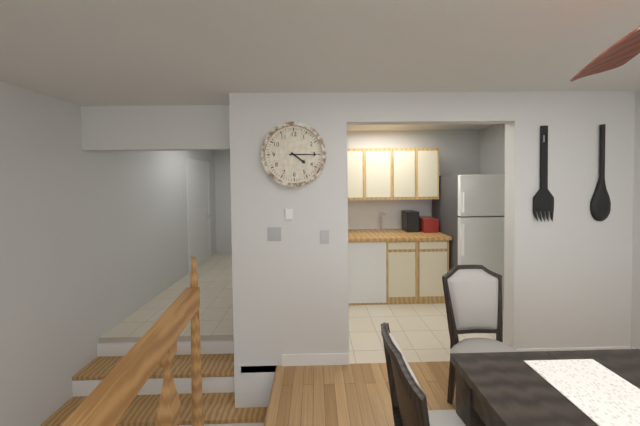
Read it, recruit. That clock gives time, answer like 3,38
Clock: 4,15
